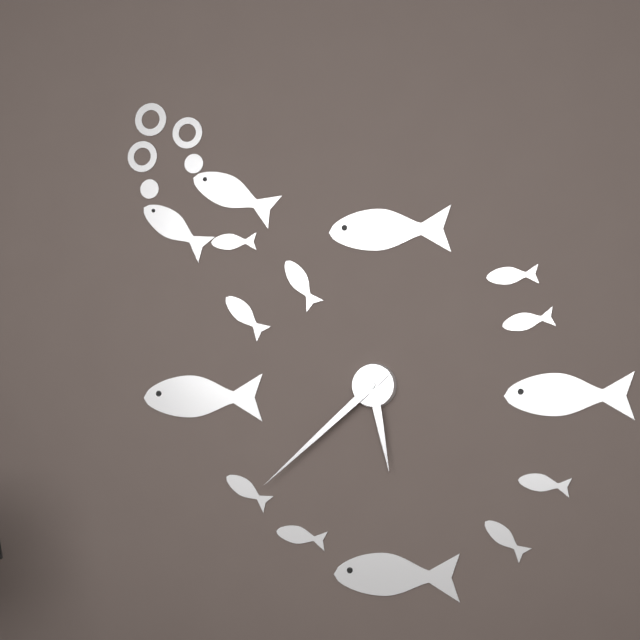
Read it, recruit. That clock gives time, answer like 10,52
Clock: 5,38
